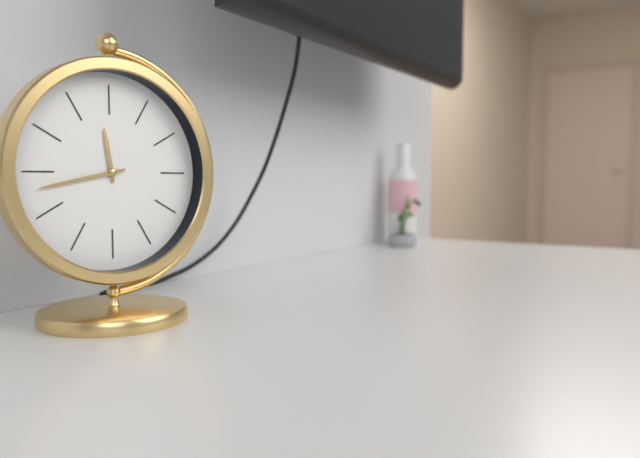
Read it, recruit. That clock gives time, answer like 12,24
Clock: 11,43
